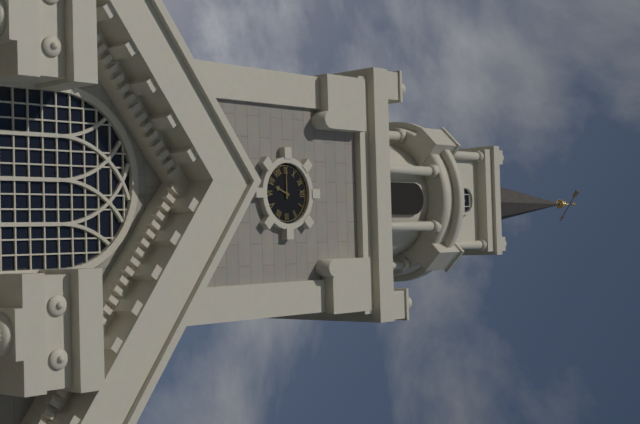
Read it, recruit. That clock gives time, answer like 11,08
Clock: 6,45
